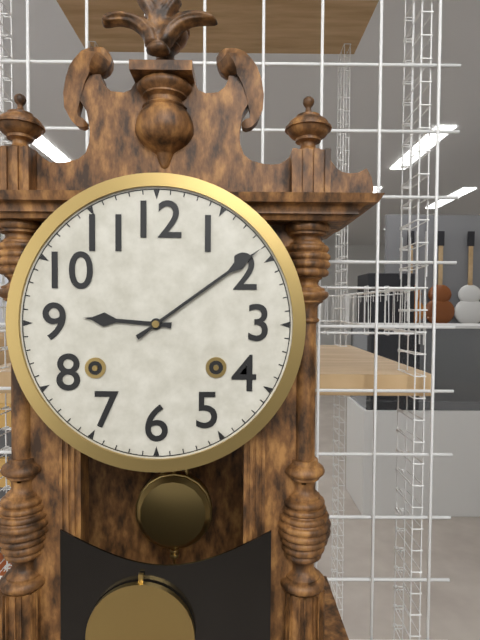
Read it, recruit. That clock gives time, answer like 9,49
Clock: 9,09
